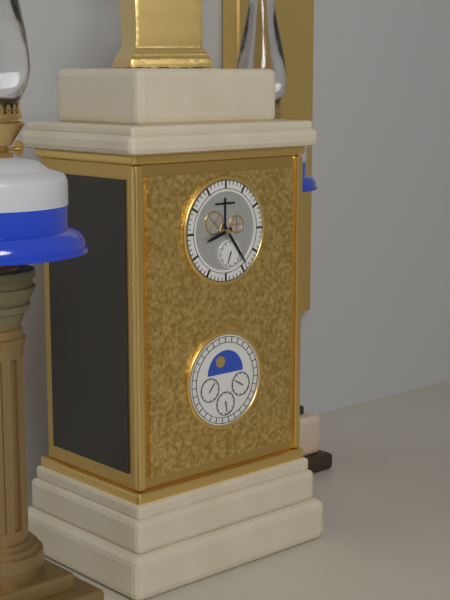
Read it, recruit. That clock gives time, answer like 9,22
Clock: 8,24
